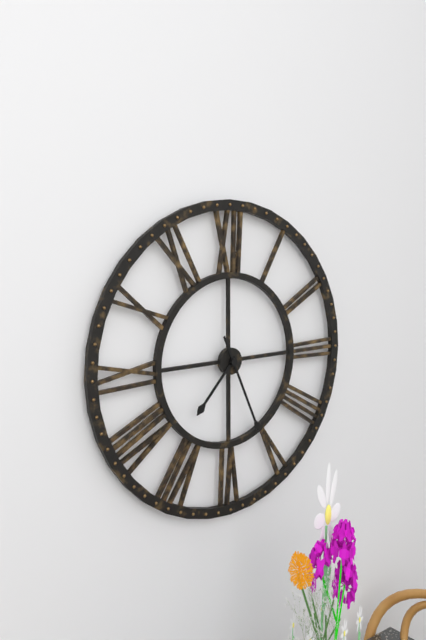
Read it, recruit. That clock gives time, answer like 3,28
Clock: 7,26
